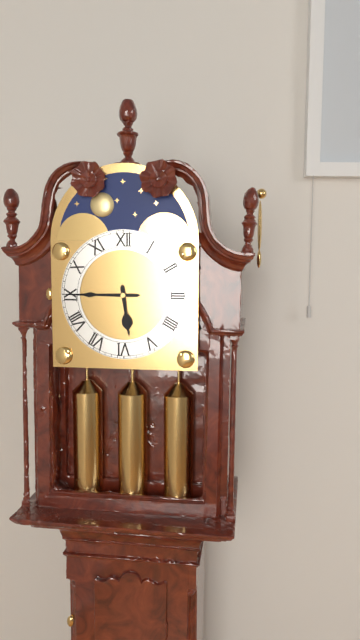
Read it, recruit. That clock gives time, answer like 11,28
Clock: 5,45
